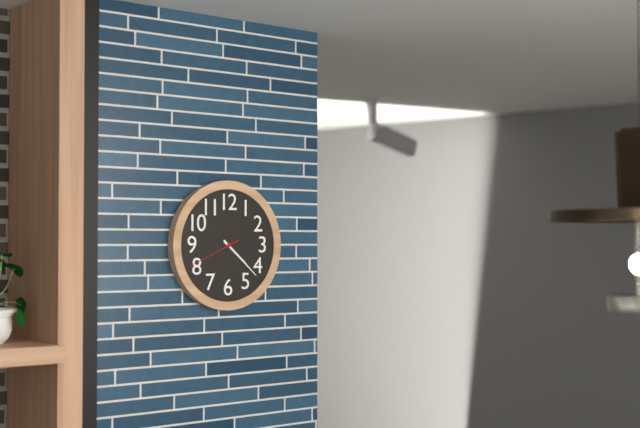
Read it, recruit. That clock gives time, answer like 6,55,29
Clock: 4,22,41
